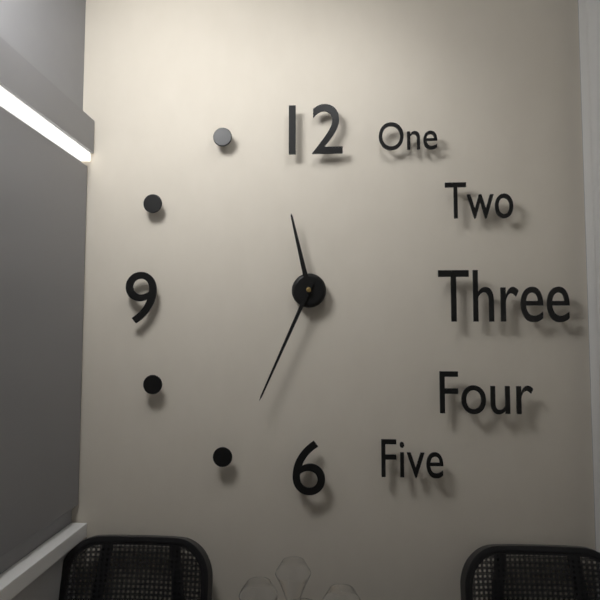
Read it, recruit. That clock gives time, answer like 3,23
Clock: 11,34
